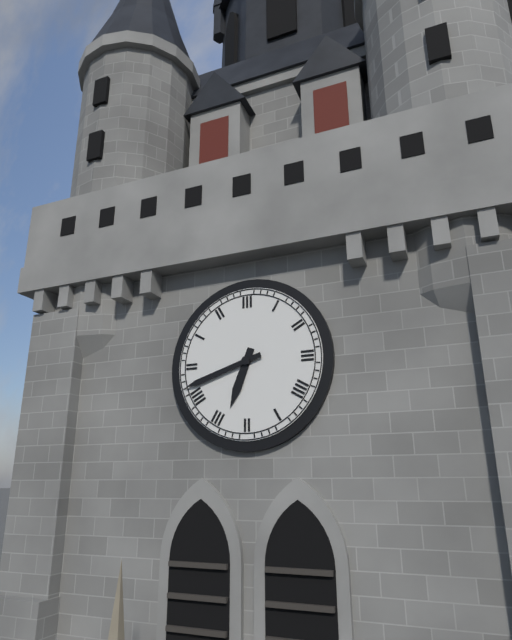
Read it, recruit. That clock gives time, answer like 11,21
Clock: 6,42
